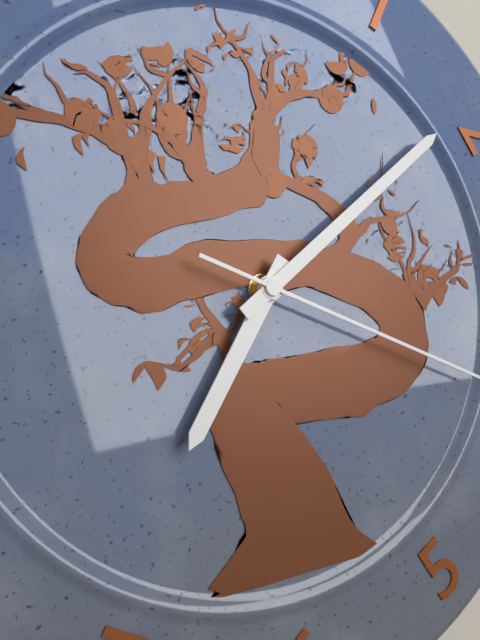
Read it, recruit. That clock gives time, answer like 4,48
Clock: 7,09
